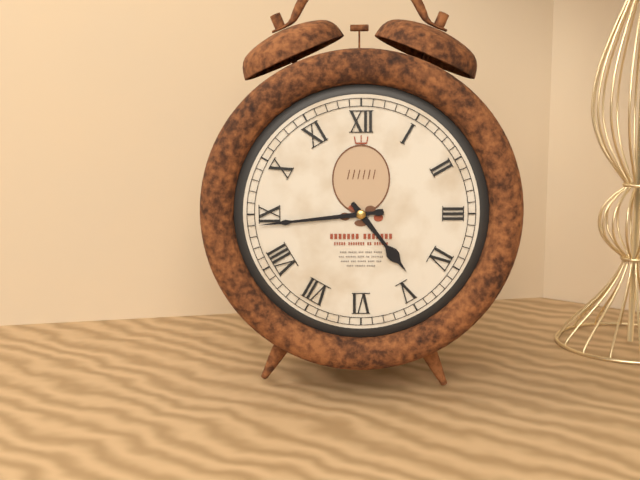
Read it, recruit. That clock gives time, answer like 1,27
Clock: 4,44
